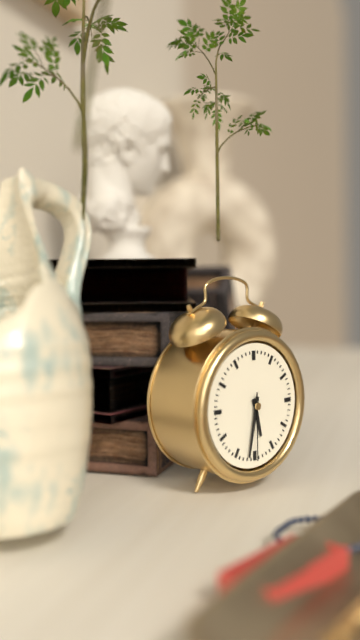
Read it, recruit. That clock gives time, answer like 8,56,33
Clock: 5,32,30
